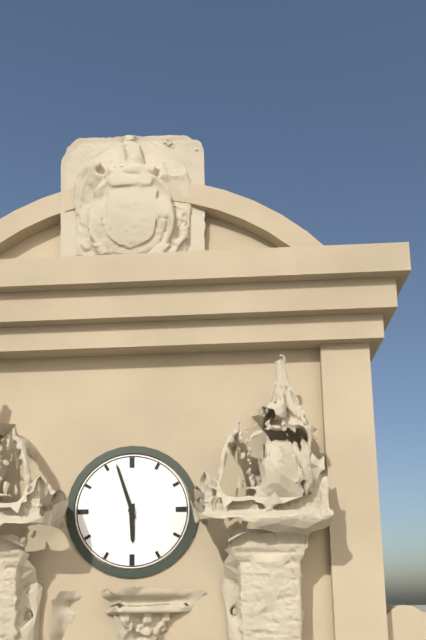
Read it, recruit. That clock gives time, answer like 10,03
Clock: 5,57
